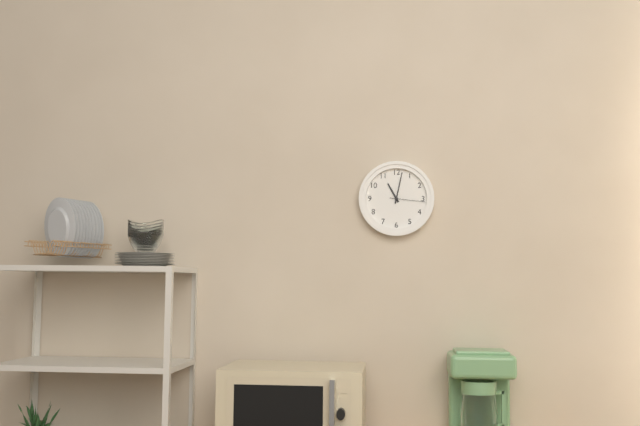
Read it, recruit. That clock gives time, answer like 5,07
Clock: 11,02
